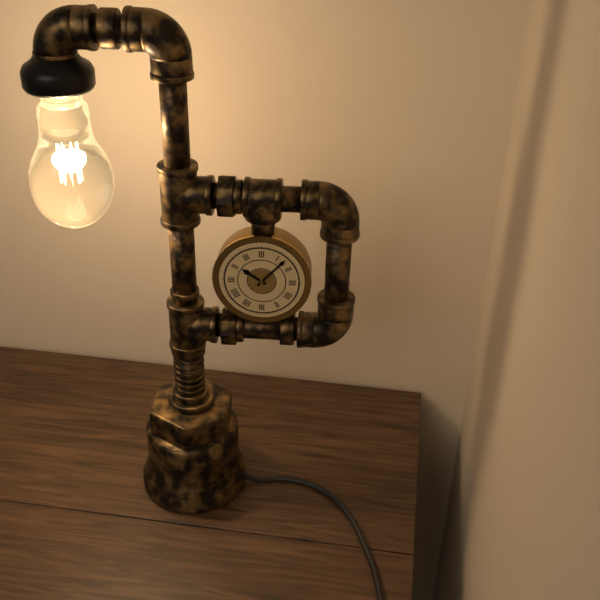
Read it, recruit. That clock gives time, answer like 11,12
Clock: 10,07
